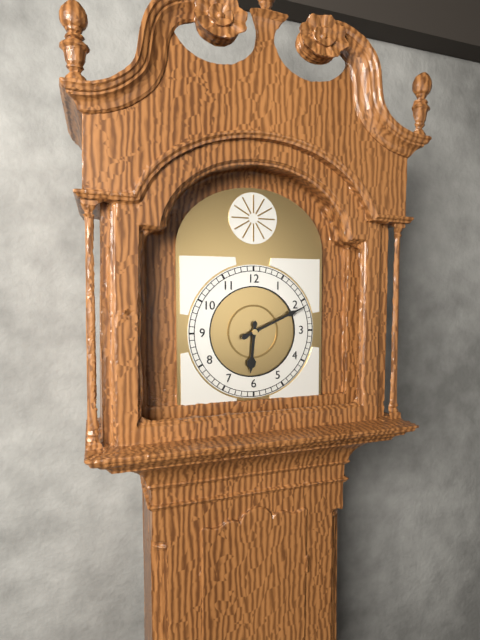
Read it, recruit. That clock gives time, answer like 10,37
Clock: 6,11
